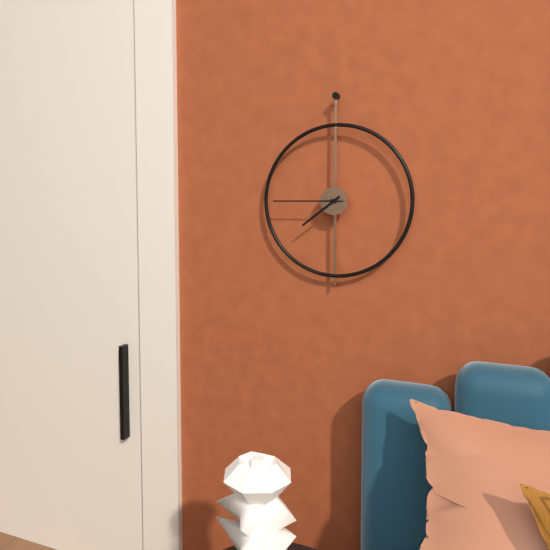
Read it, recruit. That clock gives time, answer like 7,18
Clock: 7,45
